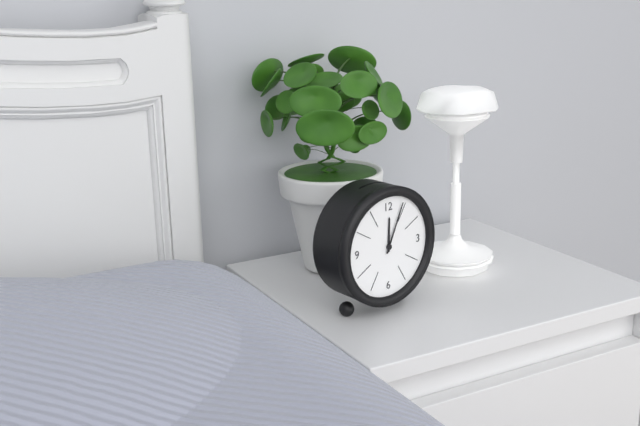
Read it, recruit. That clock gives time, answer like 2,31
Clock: 12,04
